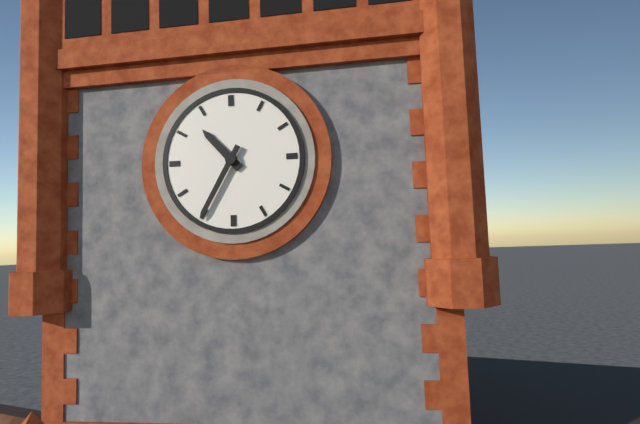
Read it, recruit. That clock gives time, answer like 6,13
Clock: 10,35
